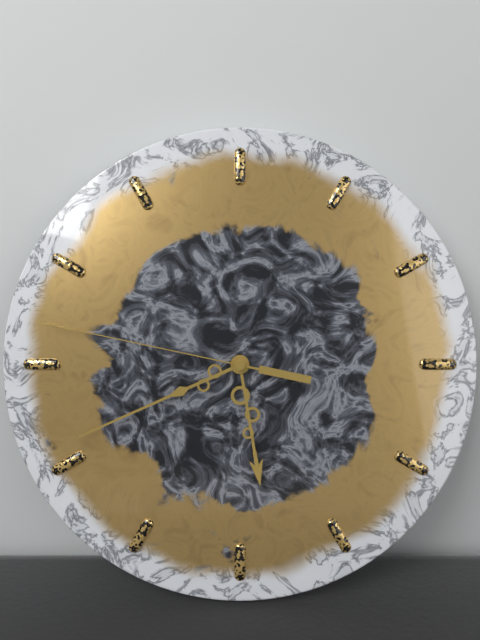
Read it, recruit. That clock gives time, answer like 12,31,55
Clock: 5,41,47
